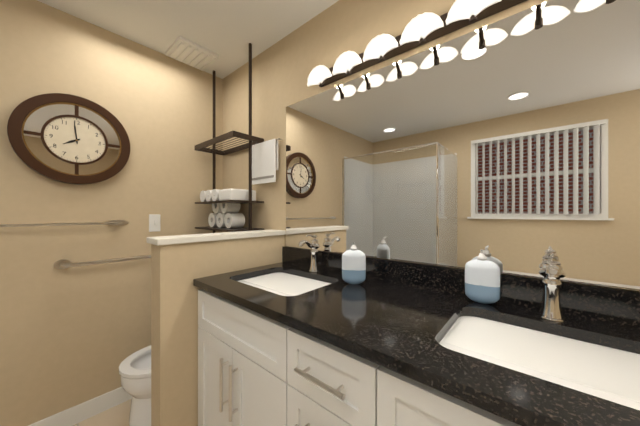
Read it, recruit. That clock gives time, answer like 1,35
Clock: 7,59
